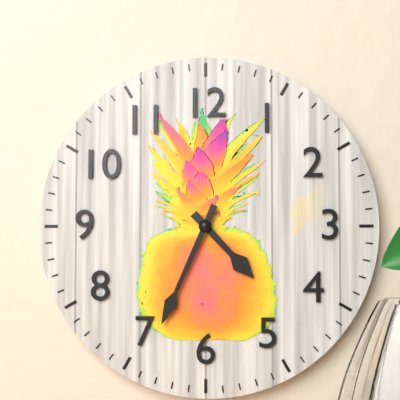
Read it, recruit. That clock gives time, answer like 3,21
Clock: 4,34
